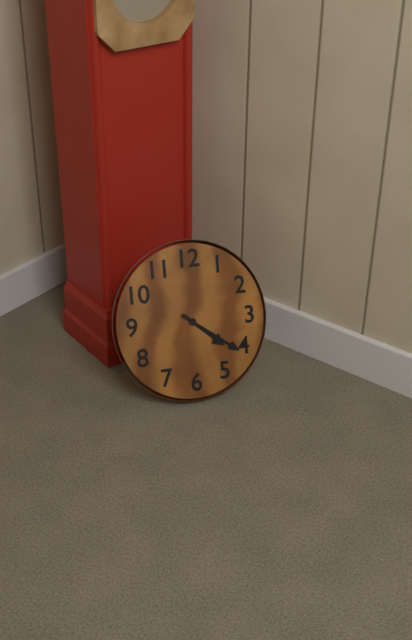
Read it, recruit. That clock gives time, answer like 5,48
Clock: 4,21
